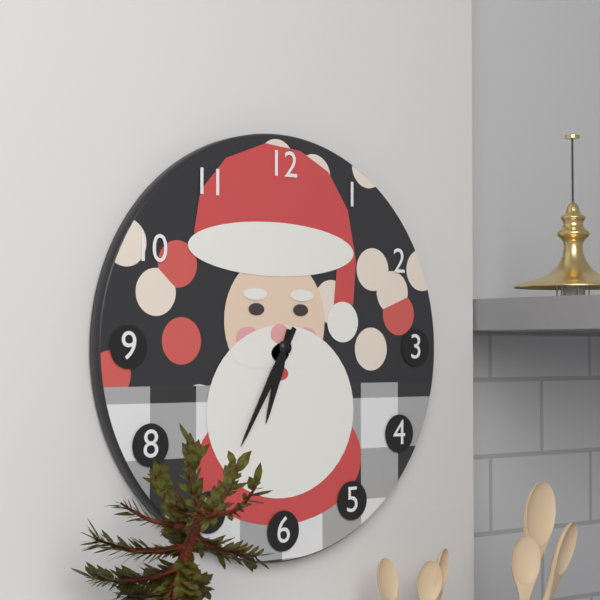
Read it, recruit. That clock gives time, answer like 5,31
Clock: 6,35
